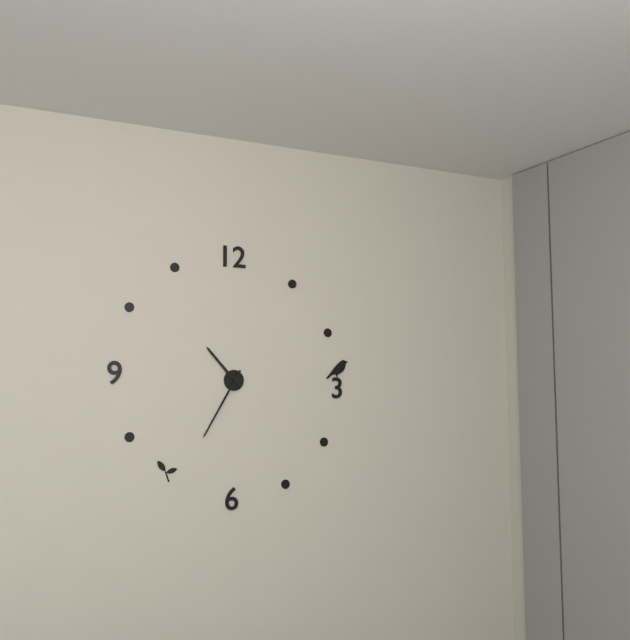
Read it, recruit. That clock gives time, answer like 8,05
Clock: 10,35
